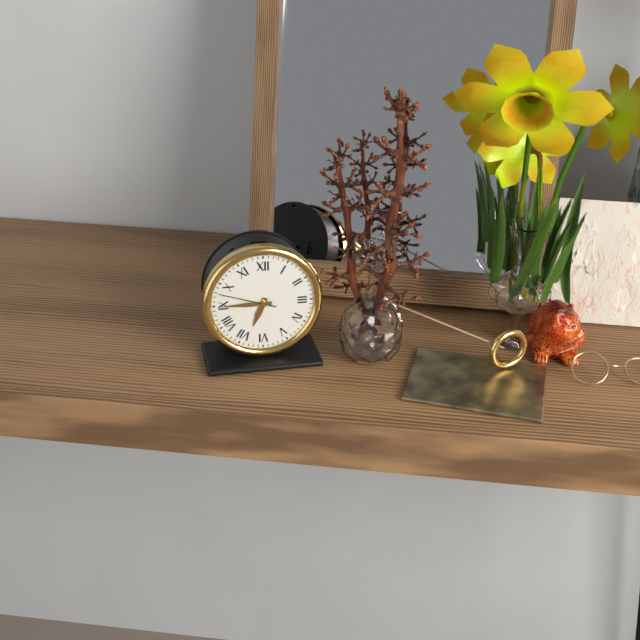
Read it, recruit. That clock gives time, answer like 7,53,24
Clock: 6,45,48
